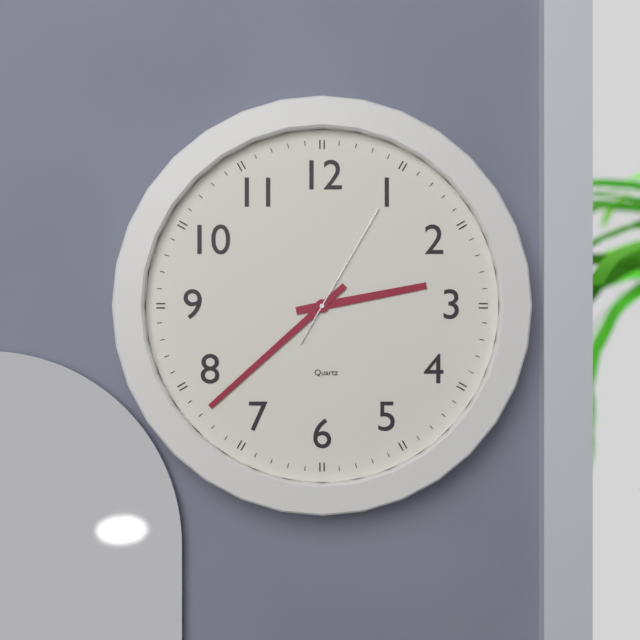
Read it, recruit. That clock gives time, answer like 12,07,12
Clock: 2,38,05
